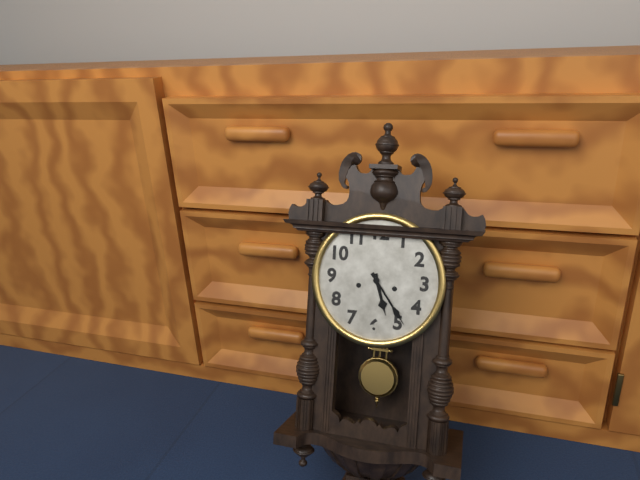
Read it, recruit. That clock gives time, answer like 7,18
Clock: 5,24
